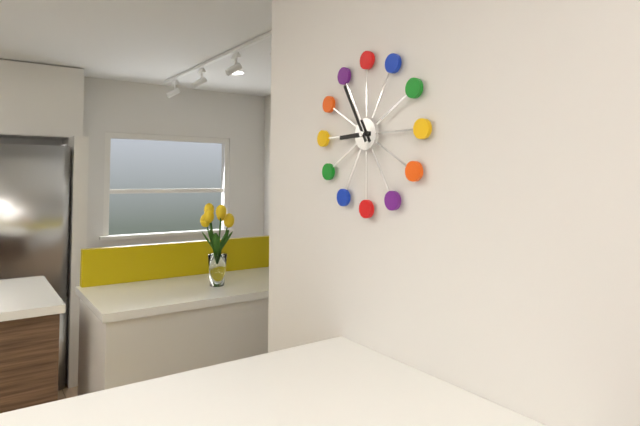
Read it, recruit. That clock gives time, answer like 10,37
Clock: 8,55
